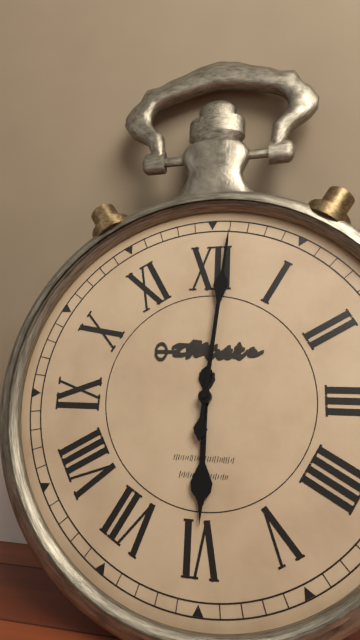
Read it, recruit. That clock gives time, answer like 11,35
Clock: 6,01
